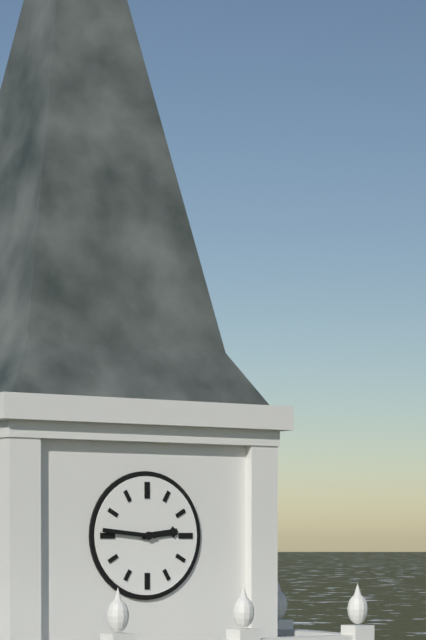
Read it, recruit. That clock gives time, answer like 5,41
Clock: 2,46
